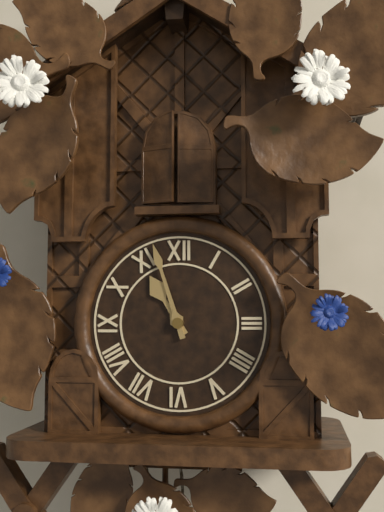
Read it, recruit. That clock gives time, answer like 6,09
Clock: 10,57
